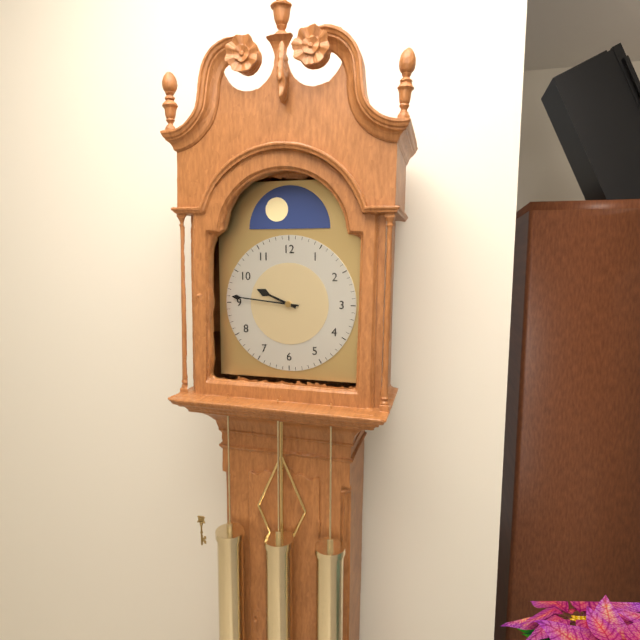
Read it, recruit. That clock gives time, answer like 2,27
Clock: 9,46
